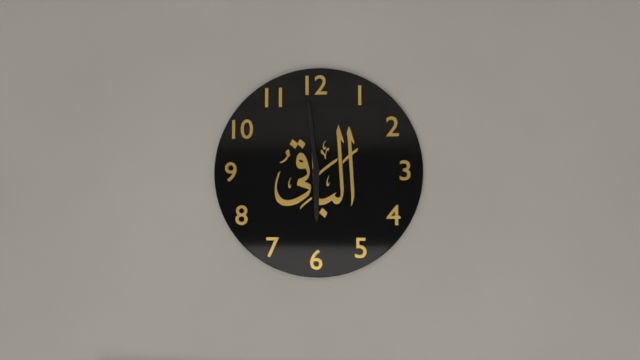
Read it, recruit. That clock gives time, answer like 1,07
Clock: 5,59
